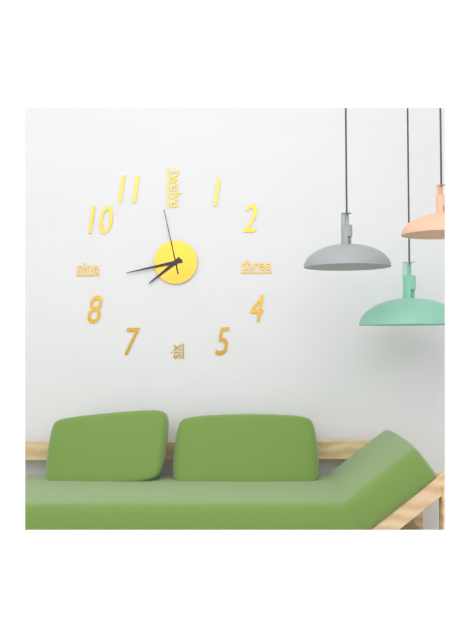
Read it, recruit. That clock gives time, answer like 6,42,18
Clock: 7,43,58
